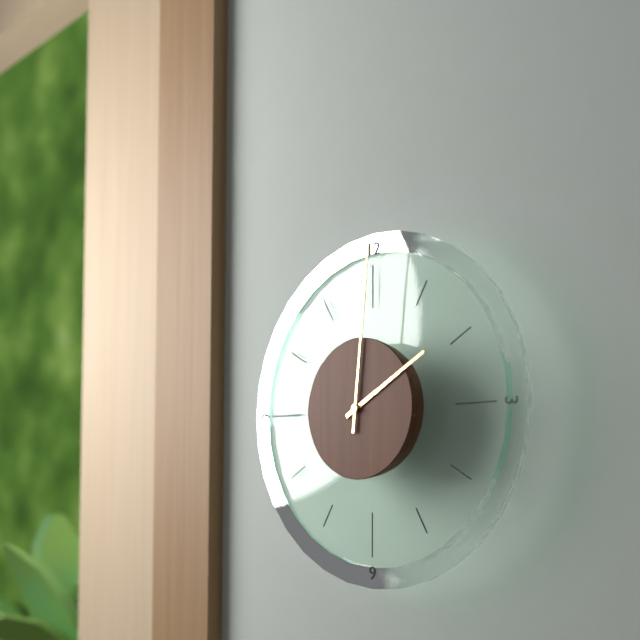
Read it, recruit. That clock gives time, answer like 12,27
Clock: 2,01
